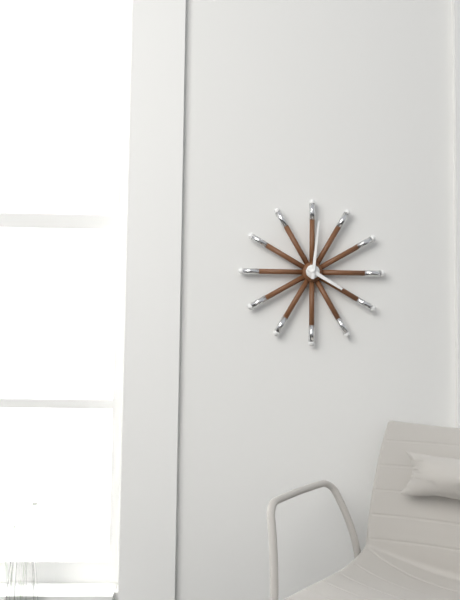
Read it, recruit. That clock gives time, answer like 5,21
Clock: 4,01
